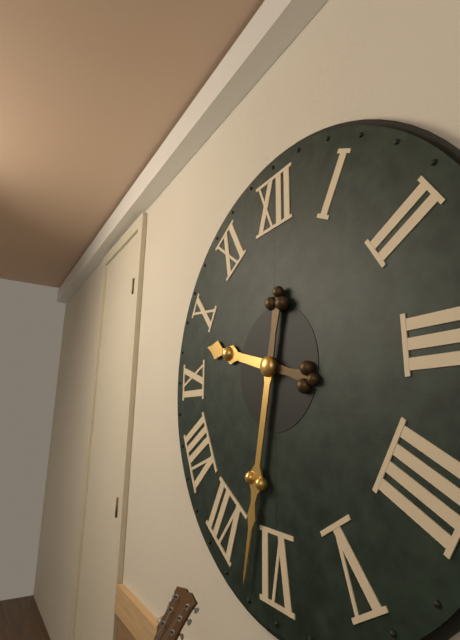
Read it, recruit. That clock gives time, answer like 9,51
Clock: 9,32
